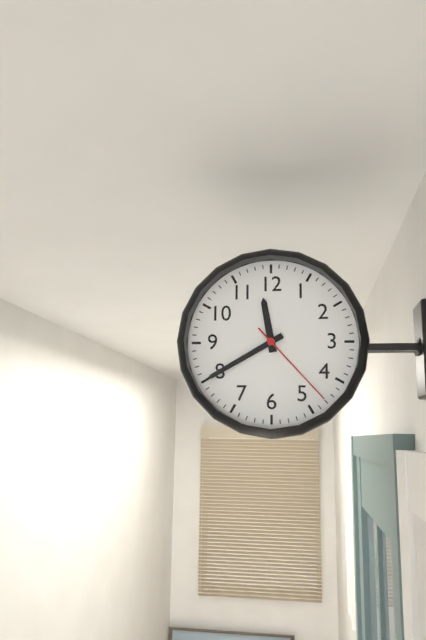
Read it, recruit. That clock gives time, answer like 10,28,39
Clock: 11,40,23
